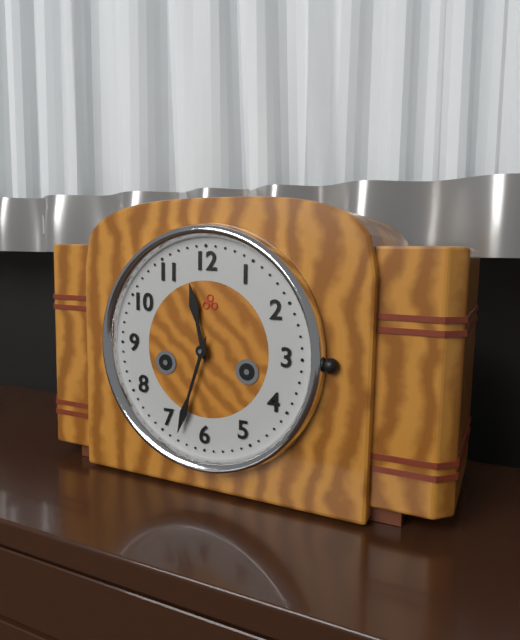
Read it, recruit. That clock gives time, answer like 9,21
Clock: 11,33
